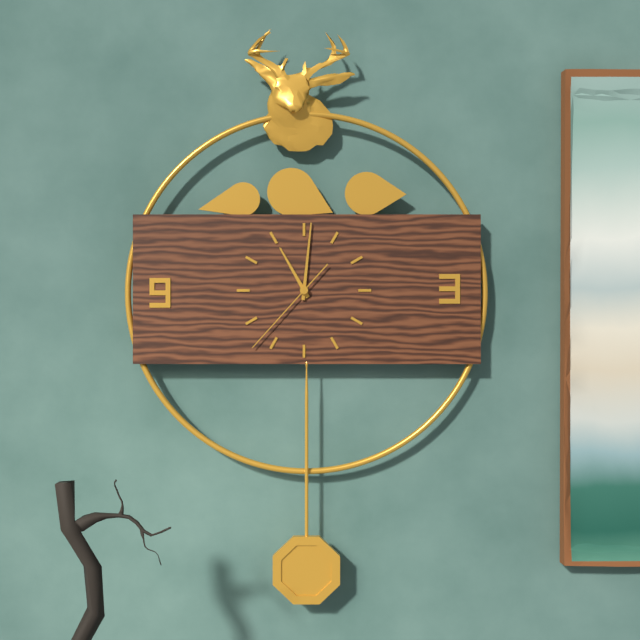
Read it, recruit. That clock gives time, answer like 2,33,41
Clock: 11,01,37
